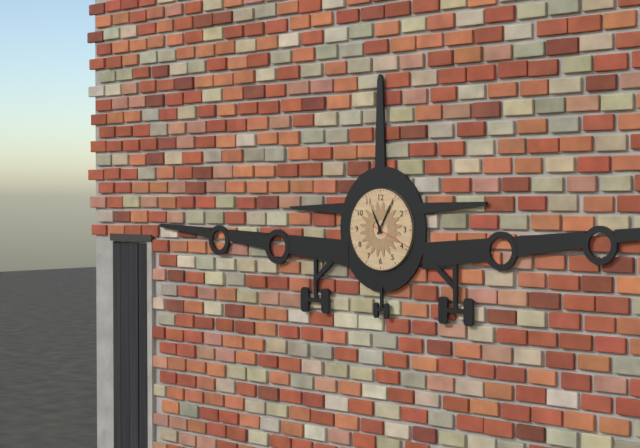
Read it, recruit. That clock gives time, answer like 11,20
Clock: 11,05
